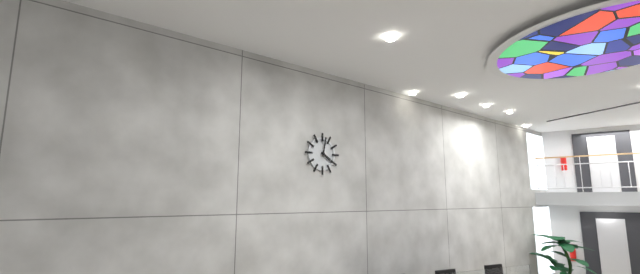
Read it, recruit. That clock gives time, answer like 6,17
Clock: 4,02
